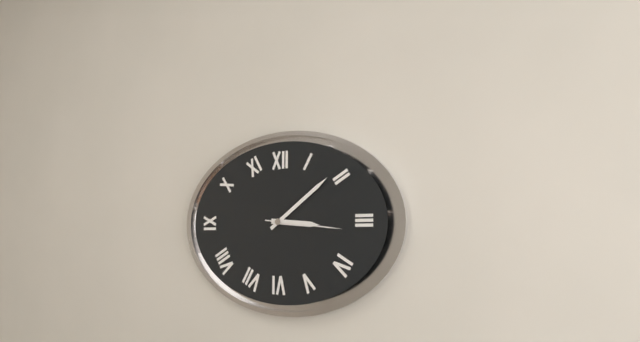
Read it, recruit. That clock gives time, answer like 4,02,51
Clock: 3,09,16
